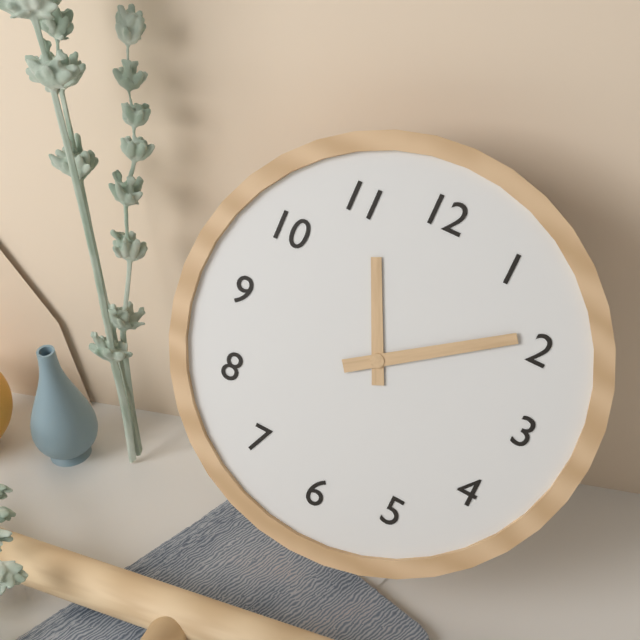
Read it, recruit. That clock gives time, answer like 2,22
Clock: 11,09
